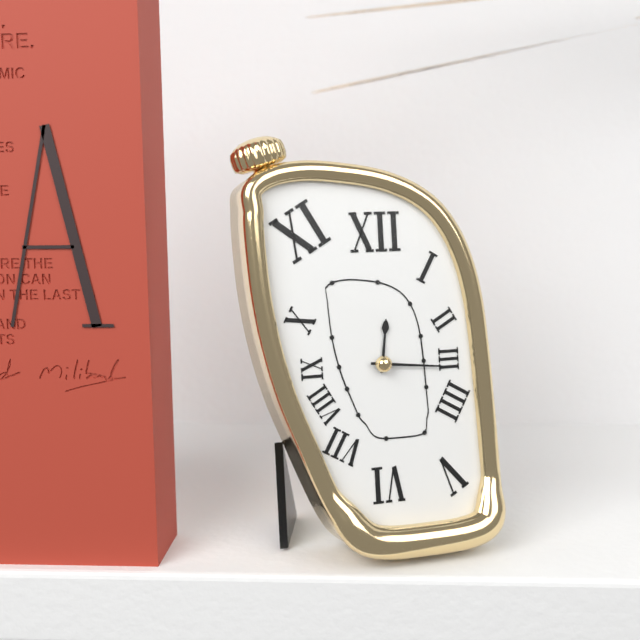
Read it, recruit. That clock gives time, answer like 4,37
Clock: 12,16
